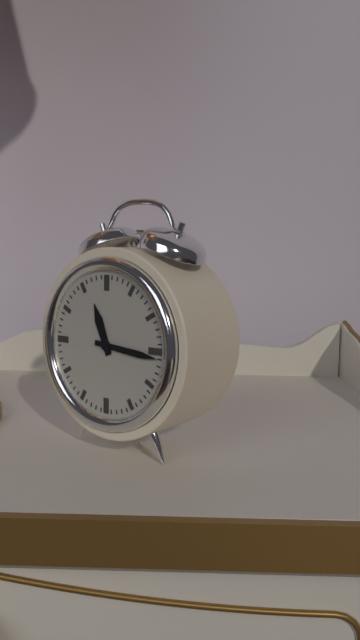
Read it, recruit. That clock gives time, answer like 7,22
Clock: 11,16
